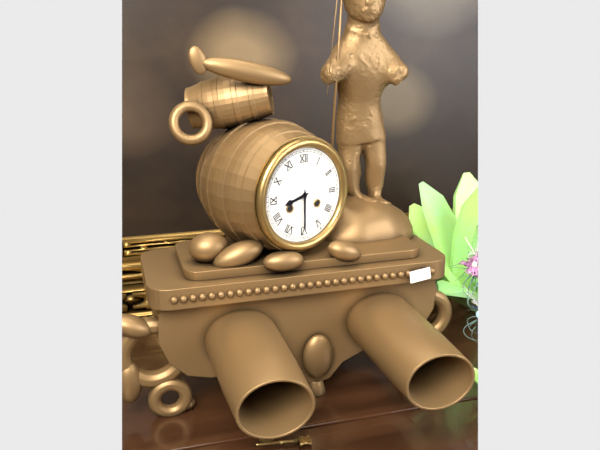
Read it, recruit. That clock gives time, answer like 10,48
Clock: 8,30
